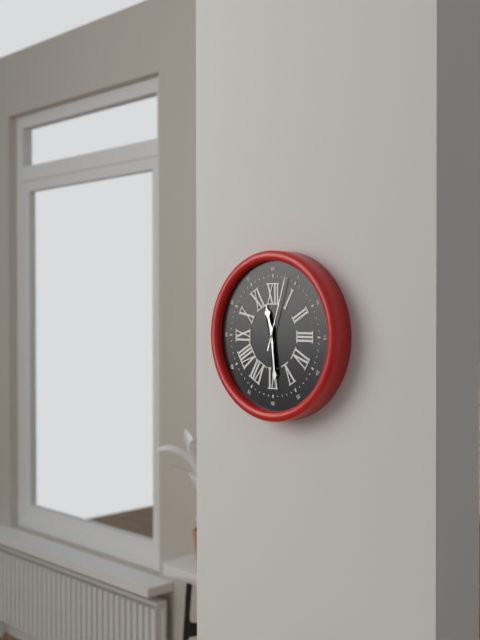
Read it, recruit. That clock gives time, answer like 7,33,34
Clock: 11,29,03
